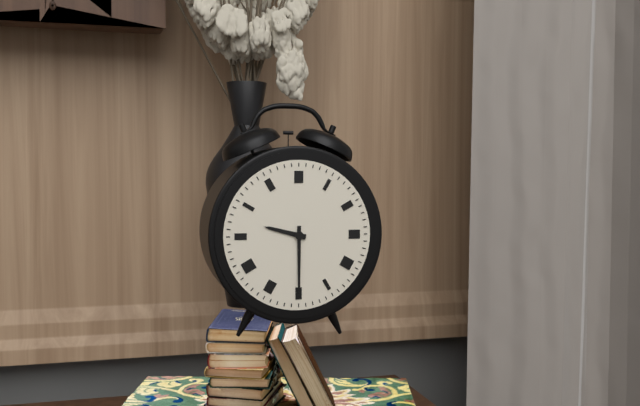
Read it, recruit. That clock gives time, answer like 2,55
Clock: 9,30
